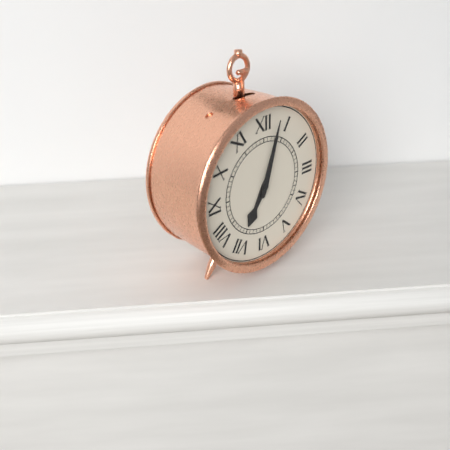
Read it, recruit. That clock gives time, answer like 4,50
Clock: 7,03
